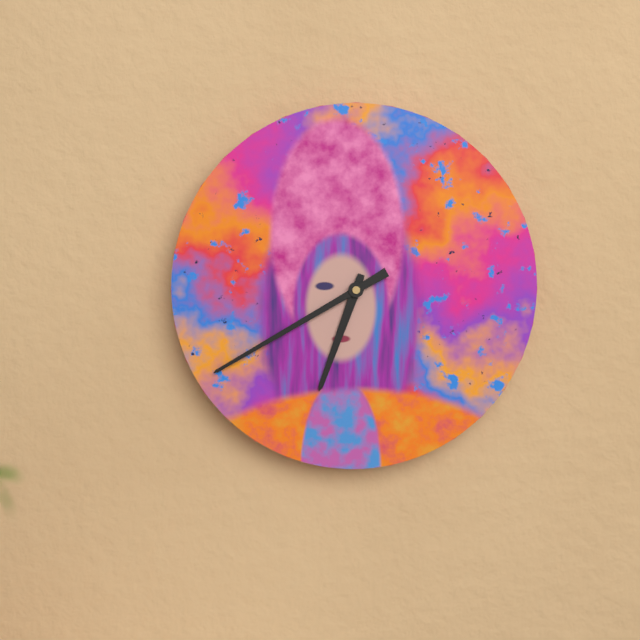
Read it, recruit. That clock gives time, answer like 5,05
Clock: 6,40
